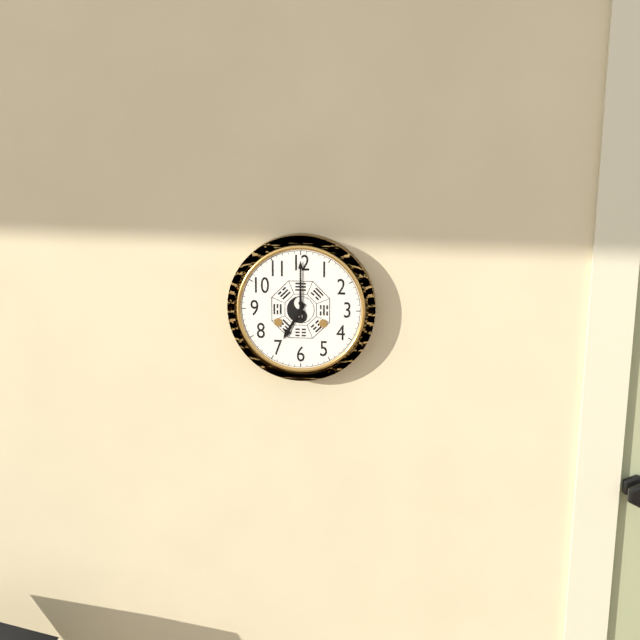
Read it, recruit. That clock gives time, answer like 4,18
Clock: 7,00
